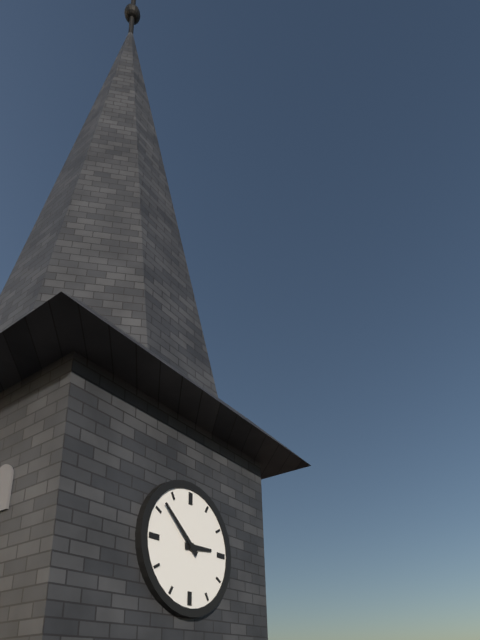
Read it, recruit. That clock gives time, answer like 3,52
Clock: 2,52
